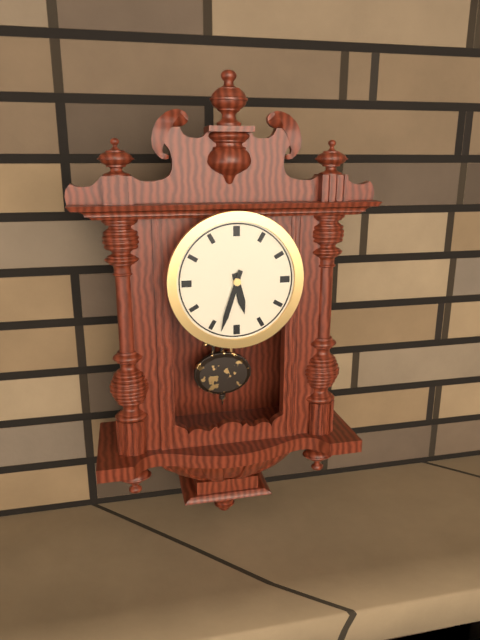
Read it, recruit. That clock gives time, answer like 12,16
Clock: 5,33
